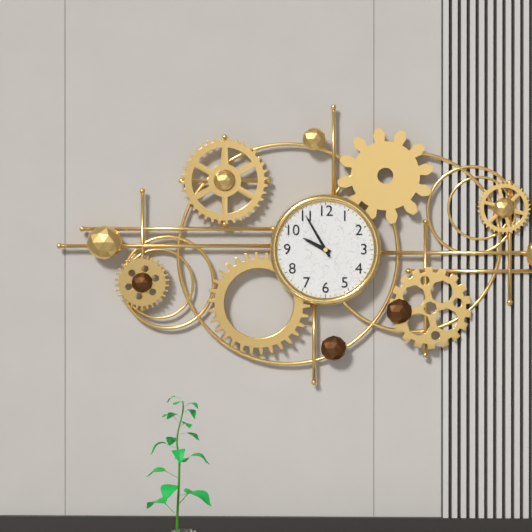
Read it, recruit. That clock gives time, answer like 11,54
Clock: 9,55
